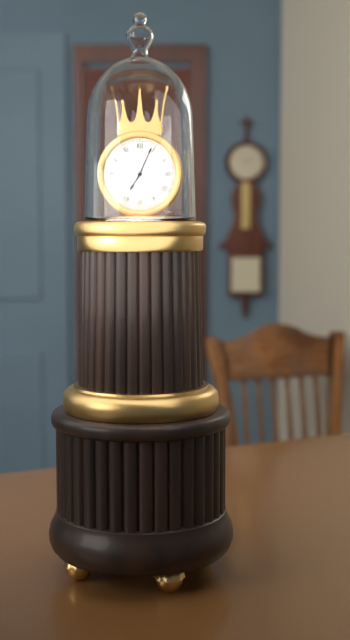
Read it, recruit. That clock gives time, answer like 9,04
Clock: 7,04
